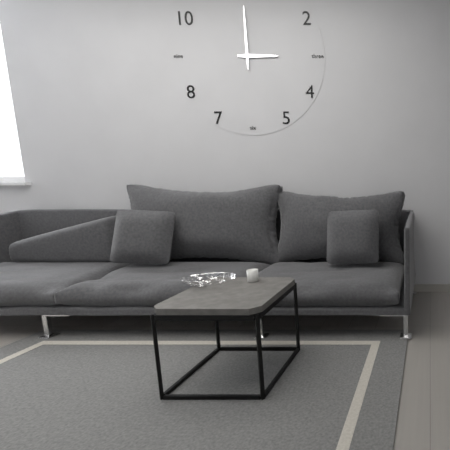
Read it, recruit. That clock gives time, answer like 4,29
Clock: 3,00
